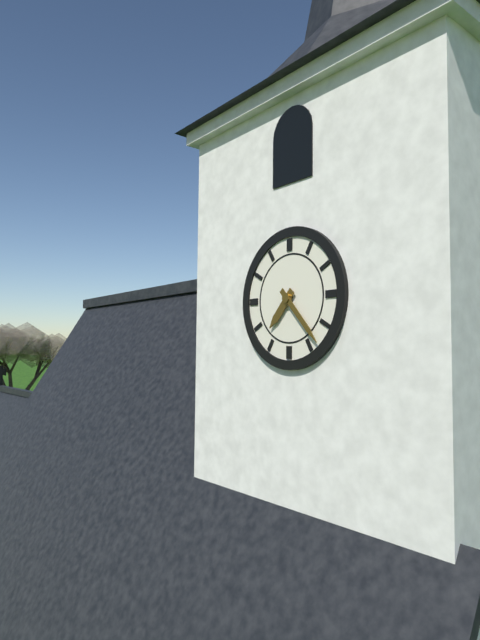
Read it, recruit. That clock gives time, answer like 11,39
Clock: 7,23
